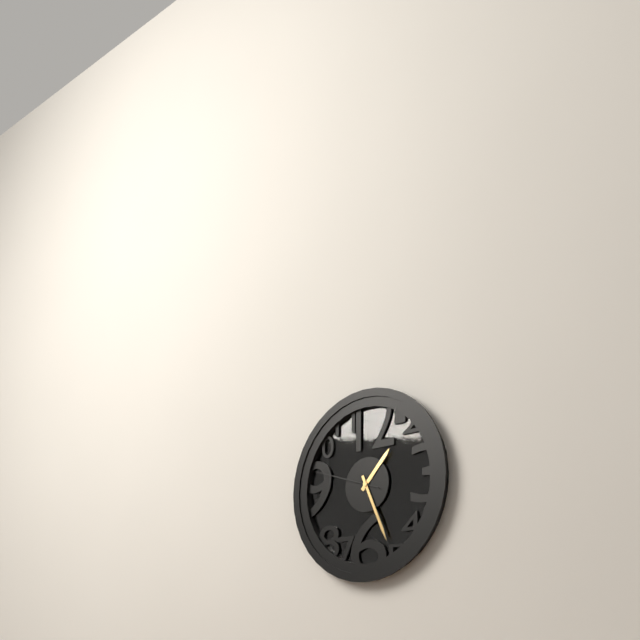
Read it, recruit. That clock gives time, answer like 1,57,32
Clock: 1,26,48
